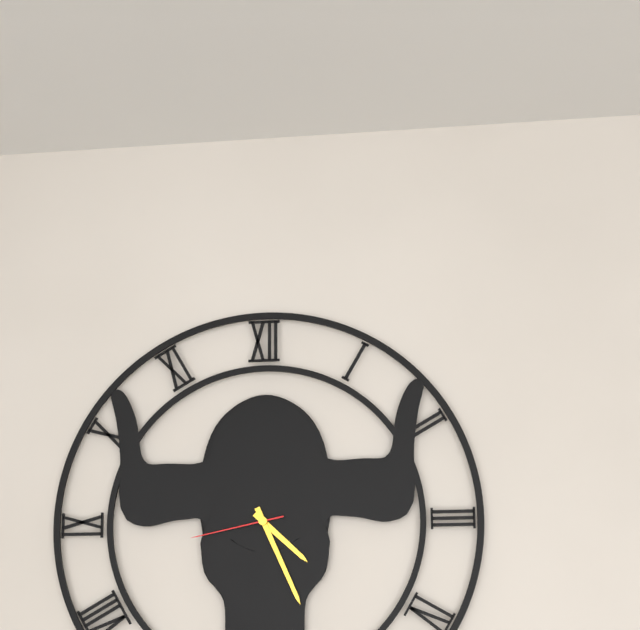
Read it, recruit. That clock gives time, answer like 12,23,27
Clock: 4,26,43
